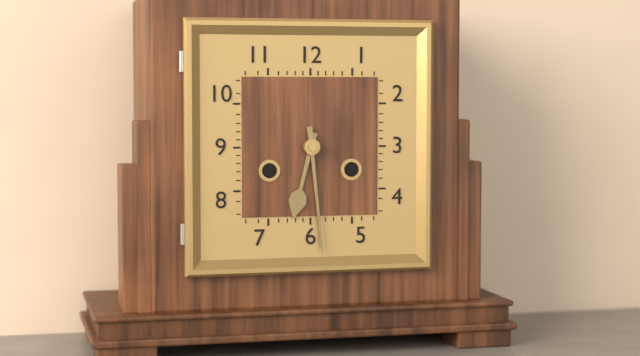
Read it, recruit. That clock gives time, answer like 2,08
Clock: 6,29
